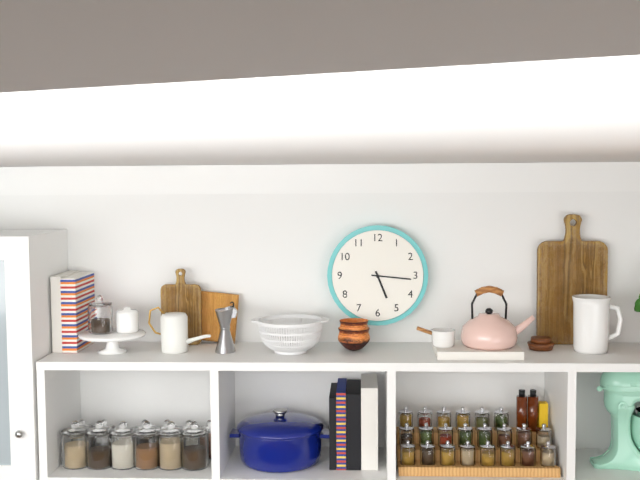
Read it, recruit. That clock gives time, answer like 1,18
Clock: 5,16
